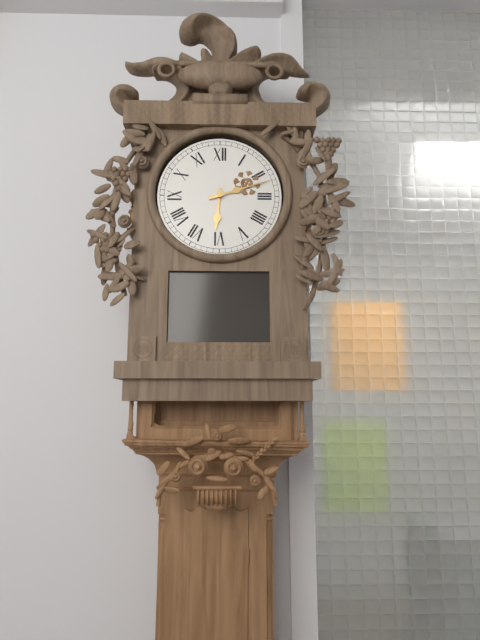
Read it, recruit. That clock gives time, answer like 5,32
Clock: 6,12
